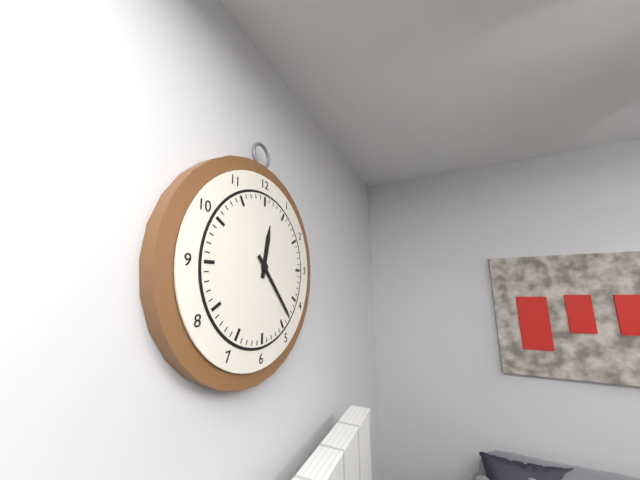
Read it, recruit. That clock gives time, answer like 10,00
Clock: 12,23
